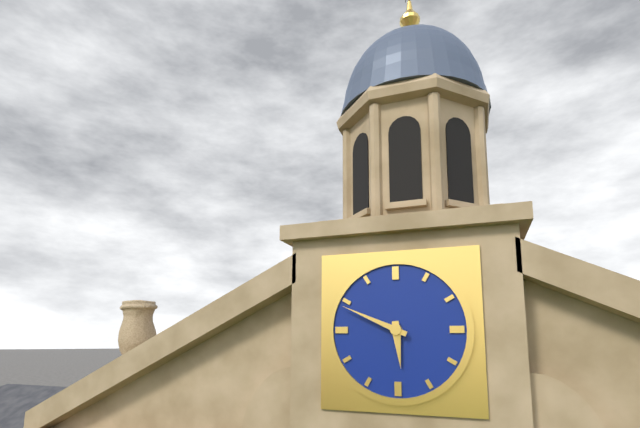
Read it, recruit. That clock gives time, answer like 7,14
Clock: 5,49
